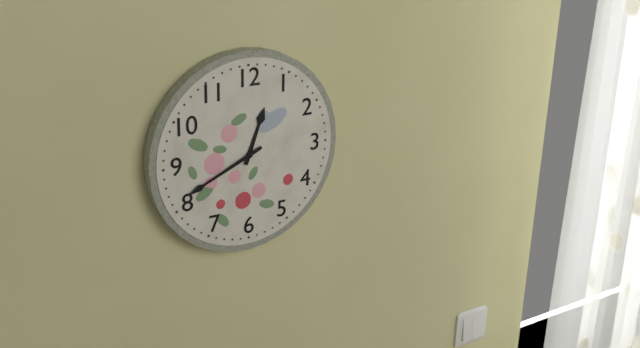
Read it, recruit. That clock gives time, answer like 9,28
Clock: 12,41
